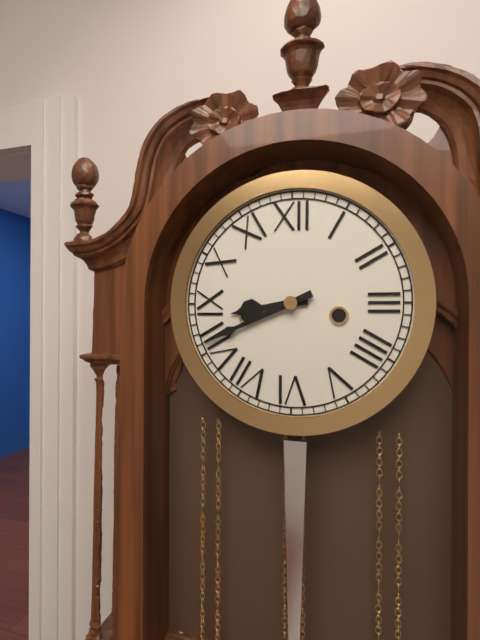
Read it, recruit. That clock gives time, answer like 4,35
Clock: 8,41
